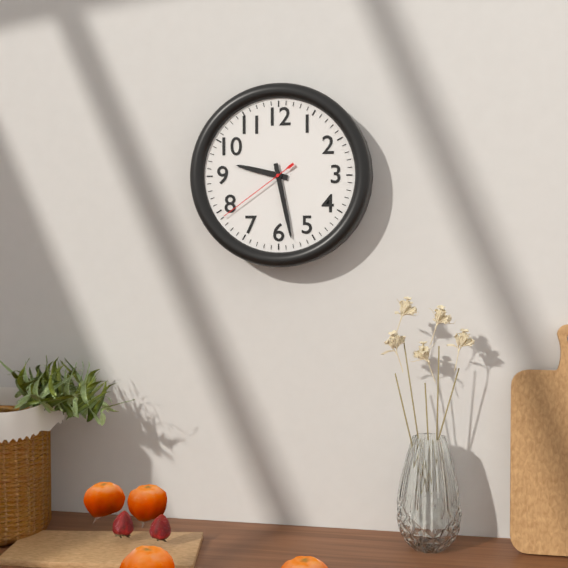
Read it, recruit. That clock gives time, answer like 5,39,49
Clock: 9,28,39
